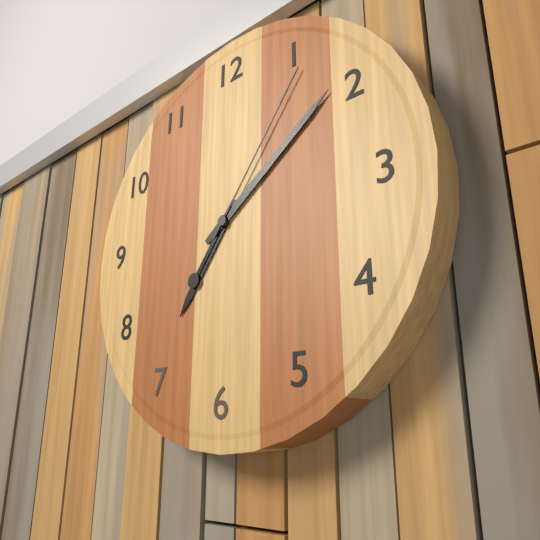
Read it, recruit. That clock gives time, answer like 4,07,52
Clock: 7,09,06
